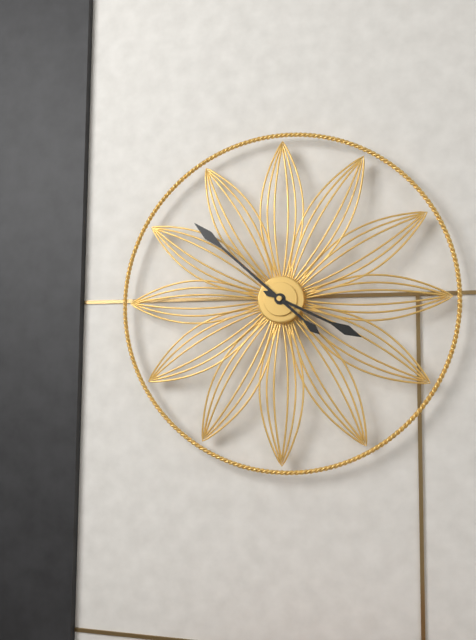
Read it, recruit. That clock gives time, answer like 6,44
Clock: 3,52
